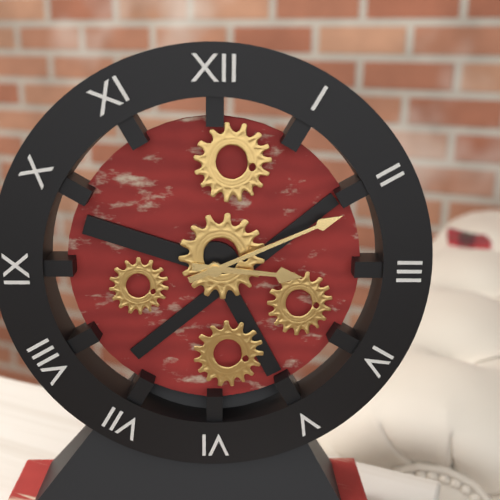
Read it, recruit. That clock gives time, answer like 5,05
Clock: 3,11
